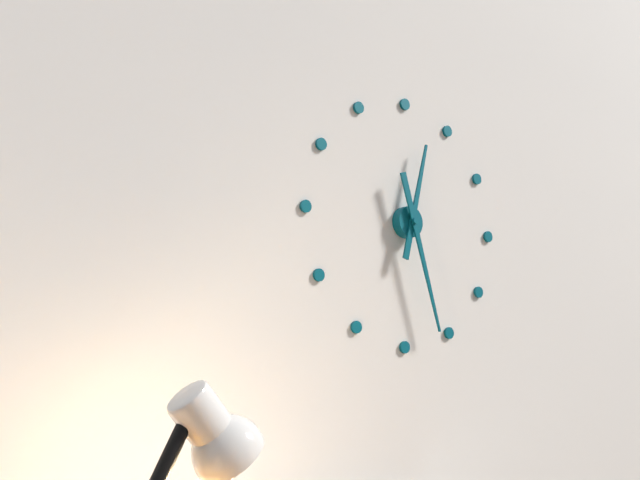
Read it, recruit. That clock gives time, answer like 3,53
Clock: 12,27
